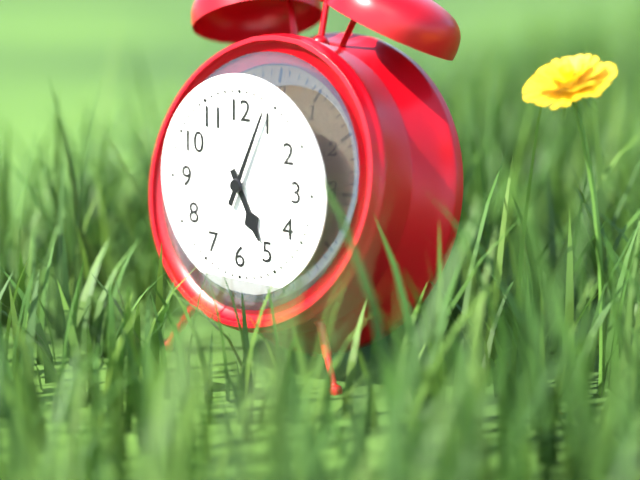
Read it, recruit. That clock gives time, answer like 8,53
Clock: 5,04
